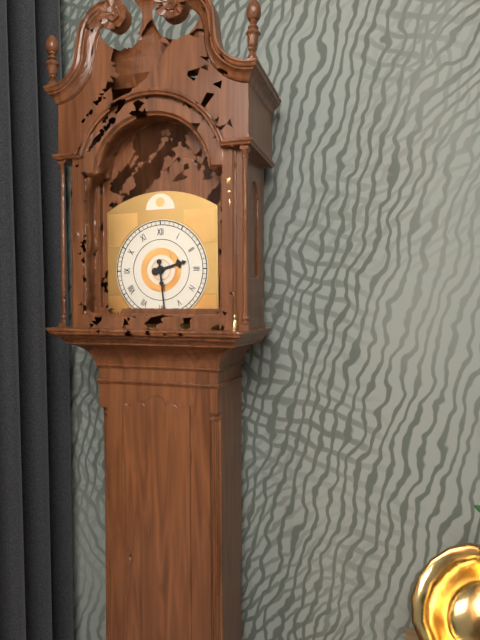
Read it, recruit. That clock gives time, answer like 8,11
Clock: 2,29
